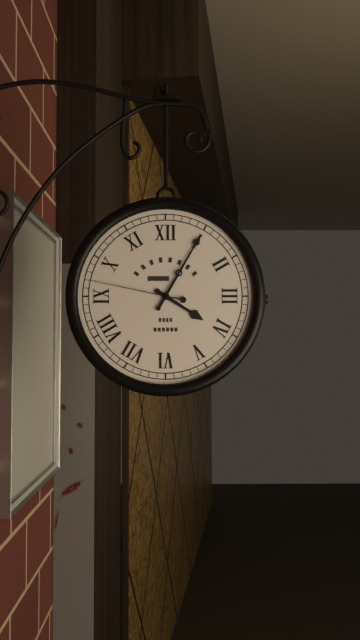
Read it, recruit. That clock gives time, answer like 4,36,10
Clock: 4,05,47
